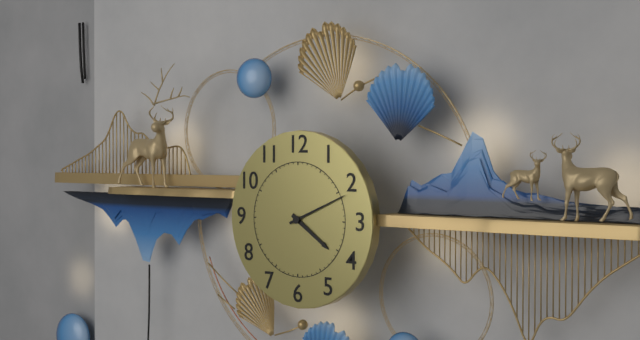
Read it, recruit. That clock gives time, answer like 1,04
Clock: 4,11
